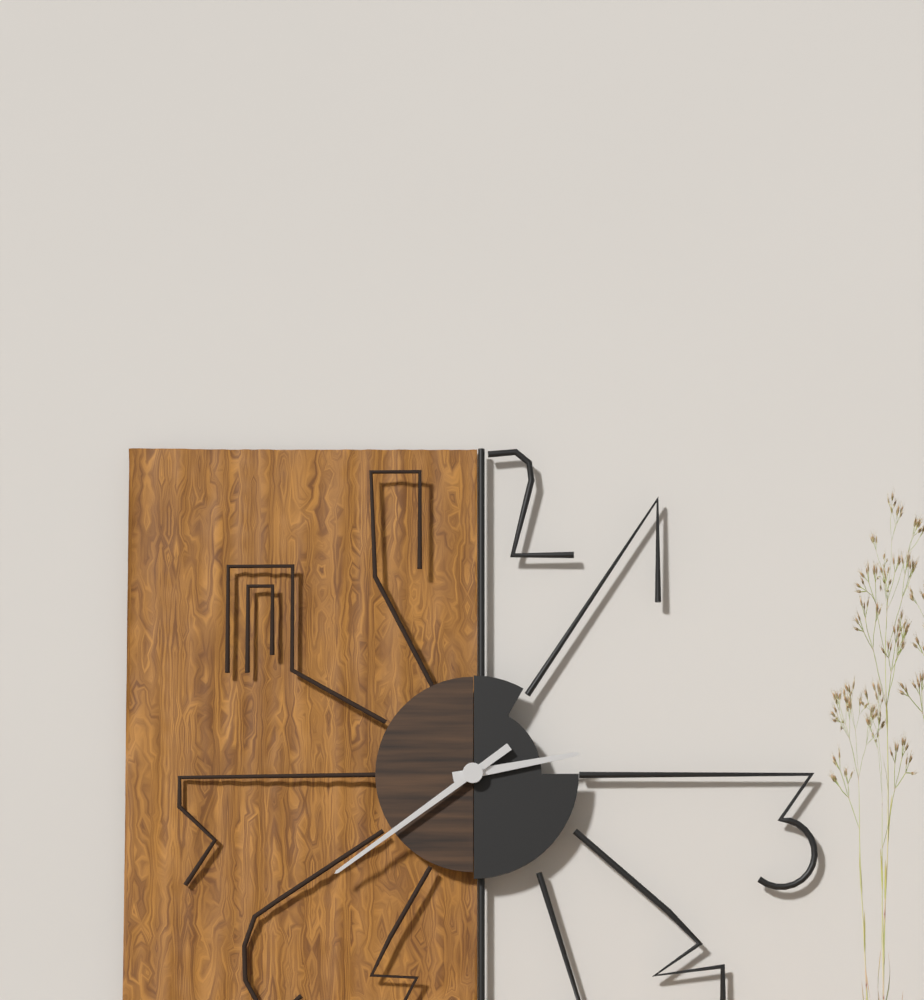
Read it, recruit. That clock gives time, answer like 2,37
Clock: 2,39
